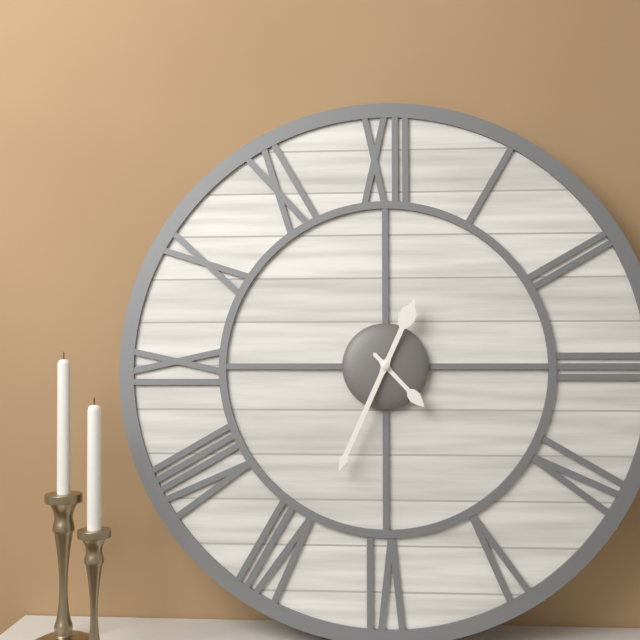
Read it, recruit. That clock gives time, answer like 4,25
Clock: 4,34
